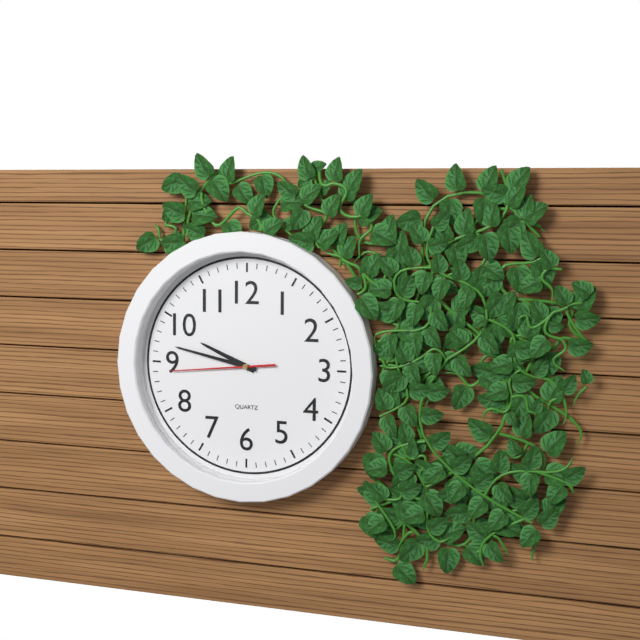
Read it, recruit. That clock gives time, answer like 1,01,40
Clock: 9,47,44
